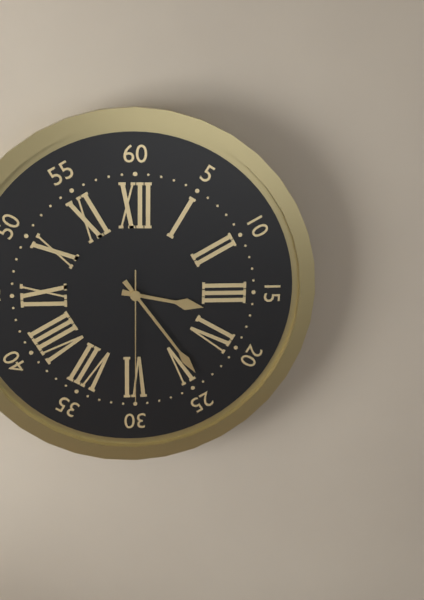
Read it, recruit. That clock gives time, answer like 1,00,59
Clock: 3,24,30
